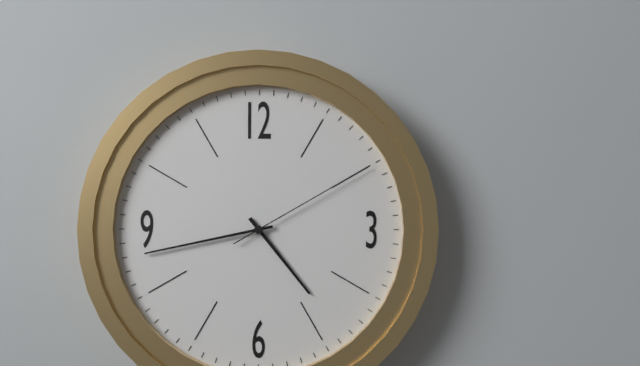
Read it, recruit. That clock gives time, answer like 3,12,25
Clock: 4,43,10
